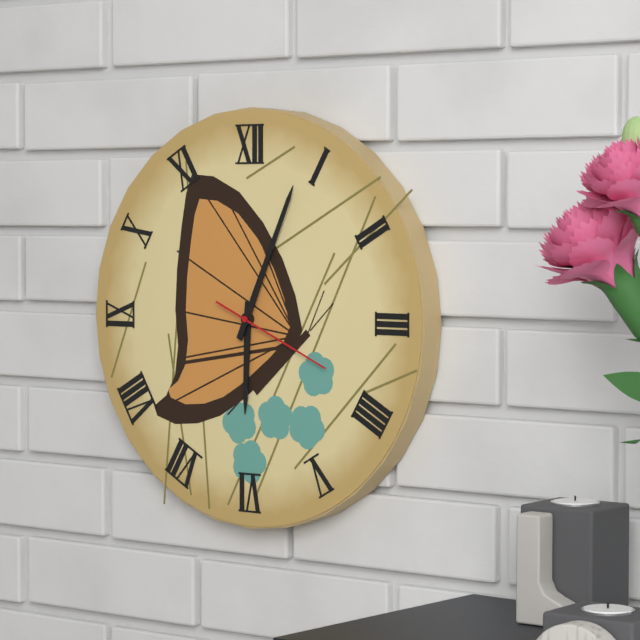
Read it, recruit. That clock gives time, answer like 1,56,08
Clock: 6,04,19
